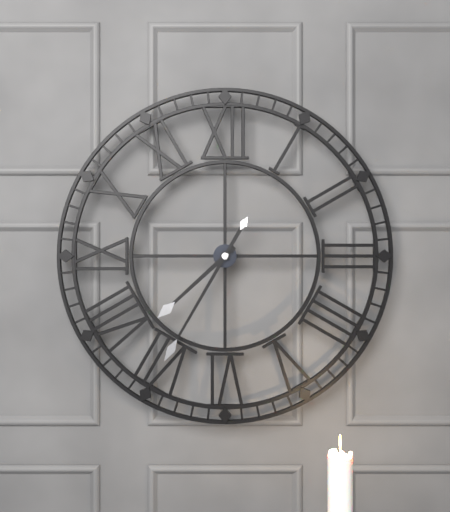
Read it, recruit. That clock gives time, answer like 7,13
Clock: 7,35
